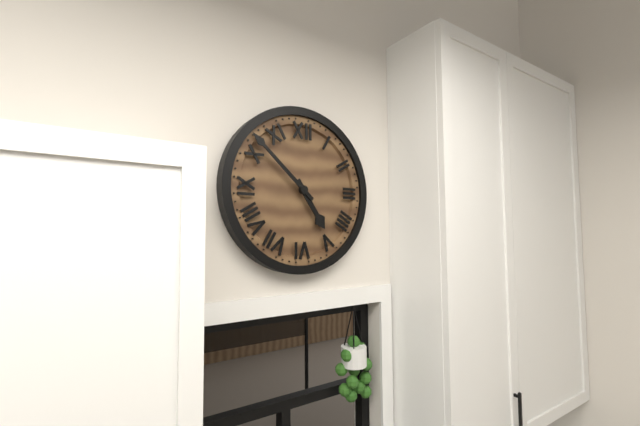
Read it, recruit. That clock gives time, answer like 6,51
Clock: 4,52
